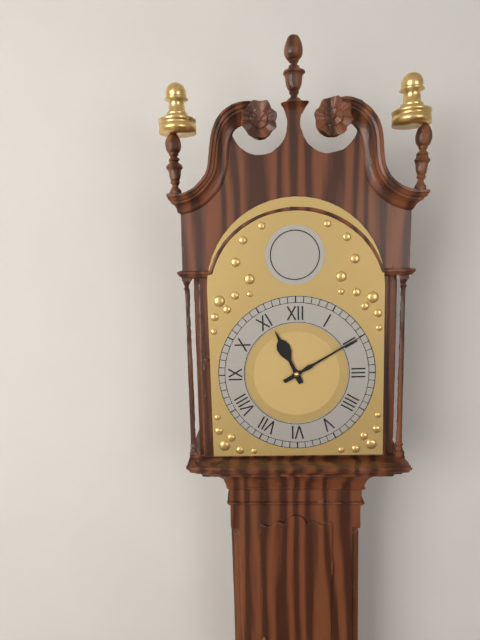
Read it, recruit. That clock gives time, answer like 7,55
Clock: 11,10
